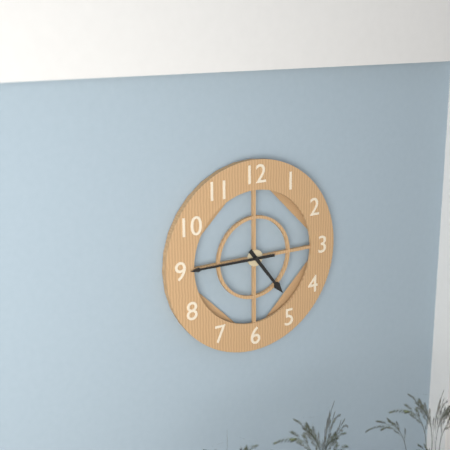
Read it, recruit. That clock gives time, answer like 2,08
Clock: 4,45
